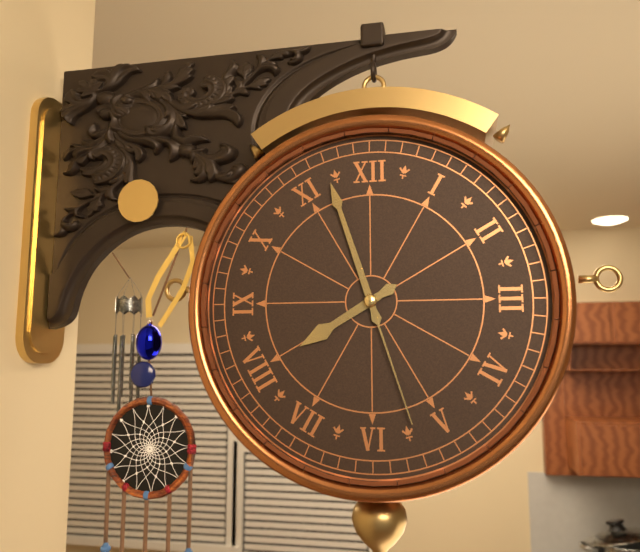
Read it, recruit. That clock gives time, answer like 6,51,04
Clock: 7,57,27
